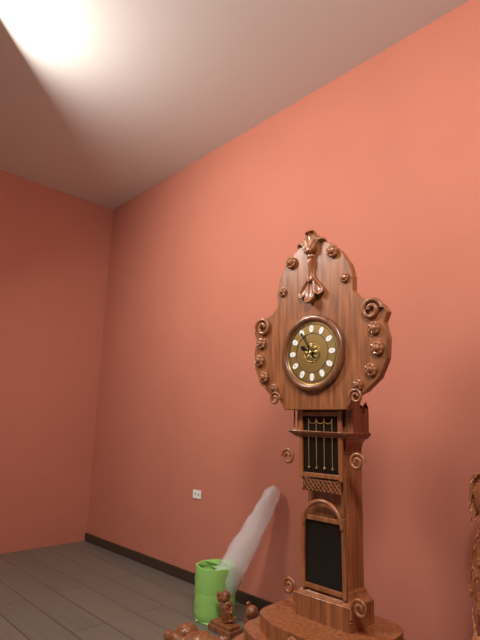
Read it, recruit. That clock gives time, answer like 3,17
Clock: 9,55
